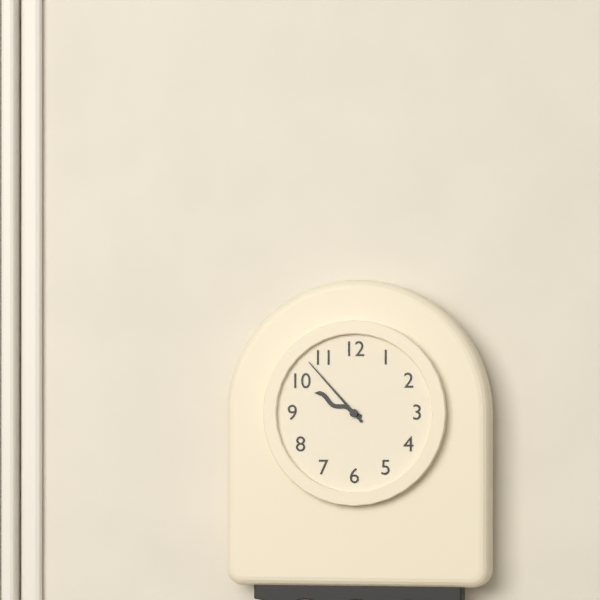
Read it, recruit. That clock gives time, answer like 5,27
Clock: 9,53
